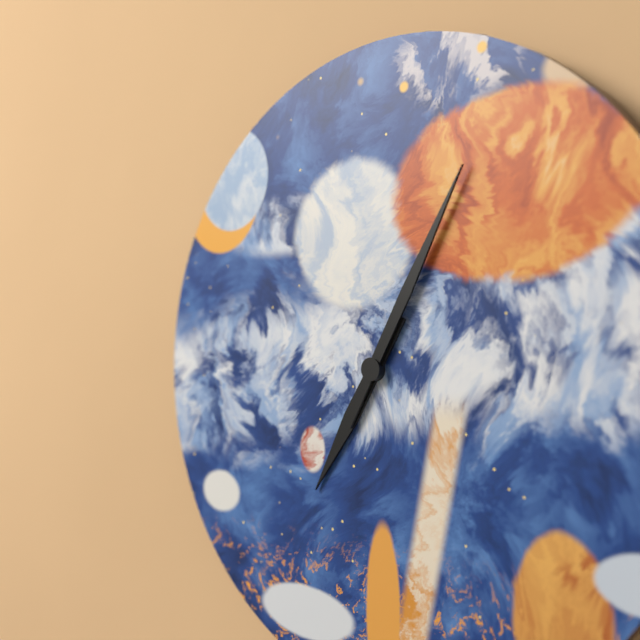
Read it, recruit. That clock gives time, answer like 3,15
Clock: 7,05
